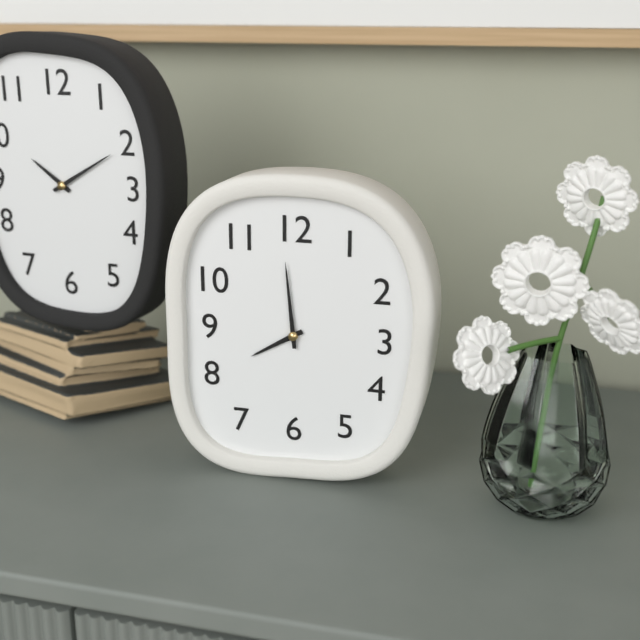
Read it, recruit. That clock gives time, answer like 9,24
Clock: 7,59
